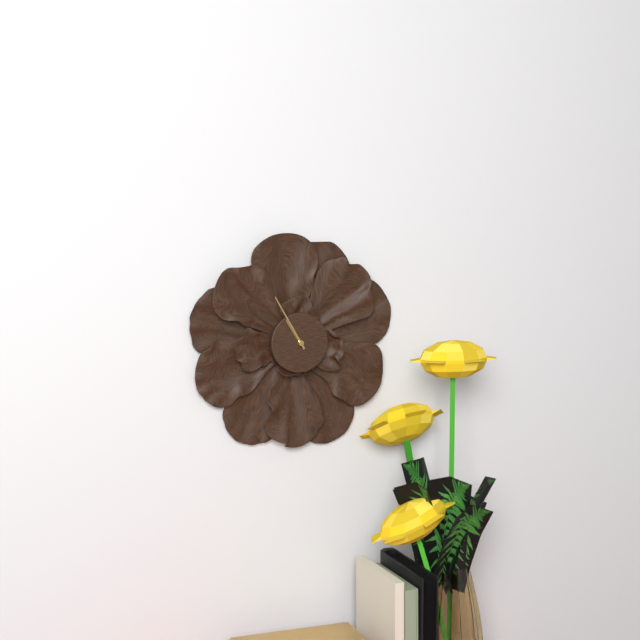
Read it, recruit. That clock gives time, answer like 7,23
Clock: 10,55
